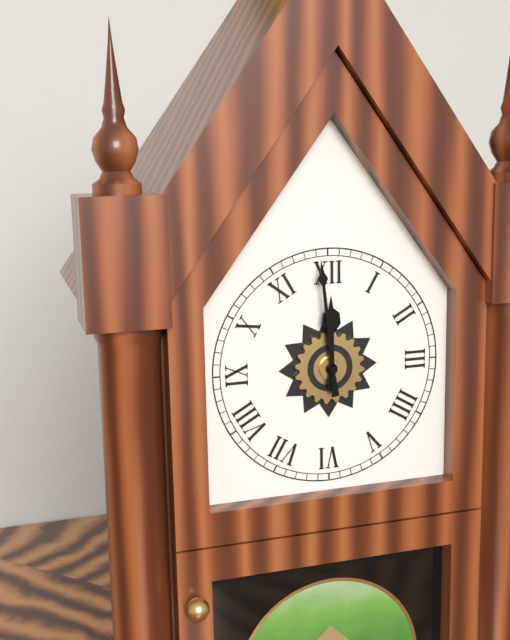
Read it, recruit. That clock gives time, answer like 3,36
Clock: 11,59
